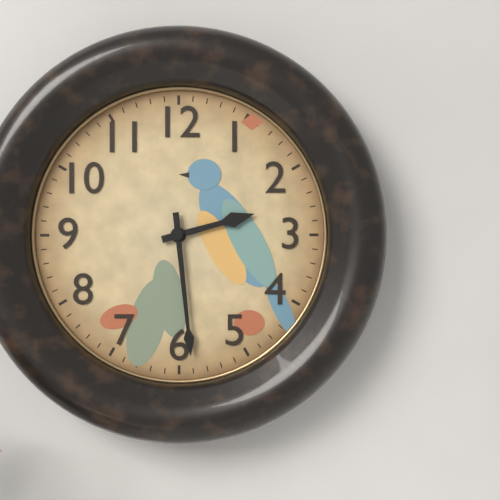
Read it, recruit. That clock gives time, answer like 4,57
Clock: 2,29
